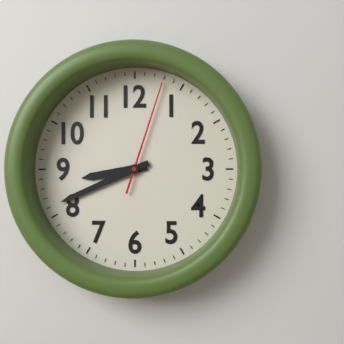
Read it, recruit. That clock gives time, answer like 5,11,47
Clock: 8,41,03
